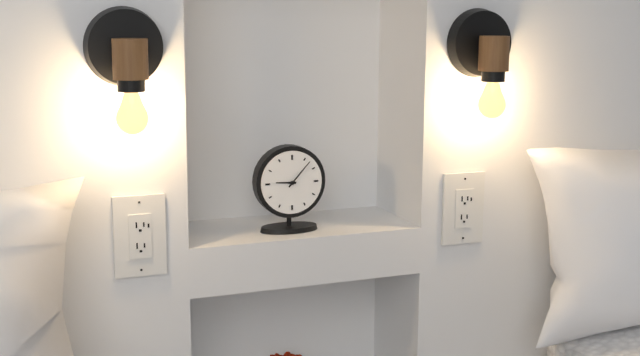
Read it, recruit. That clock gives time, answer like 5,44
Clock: 9,07
